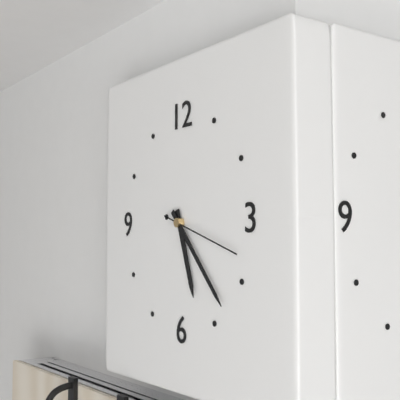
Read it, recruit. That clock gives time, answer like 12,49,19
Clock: 5,23,18
